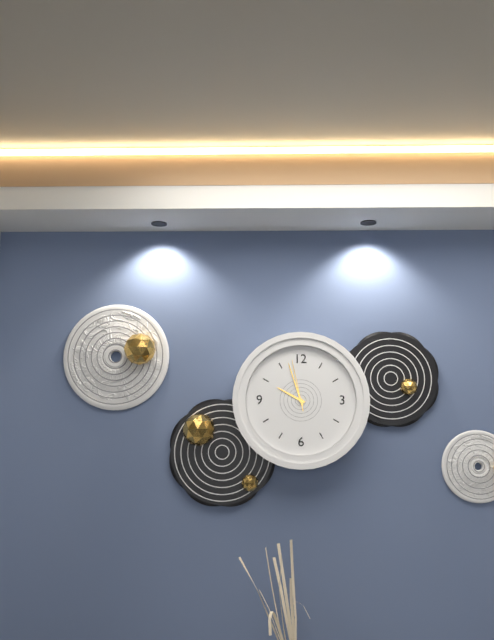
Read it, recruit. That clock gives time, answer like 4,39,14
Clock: 9,57,58
